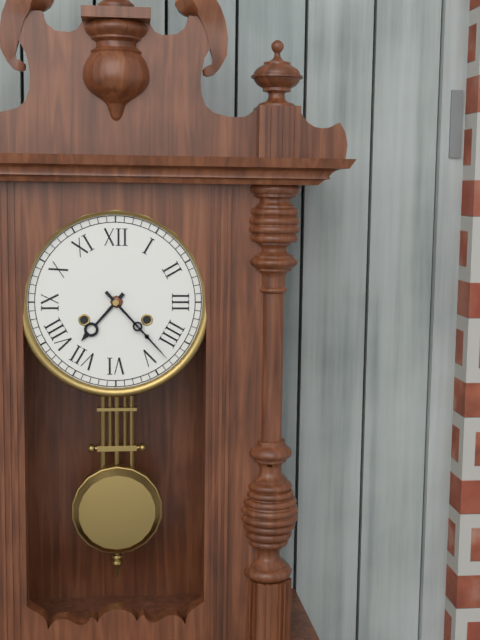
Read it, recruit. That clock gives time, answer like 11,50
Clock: 7,23
